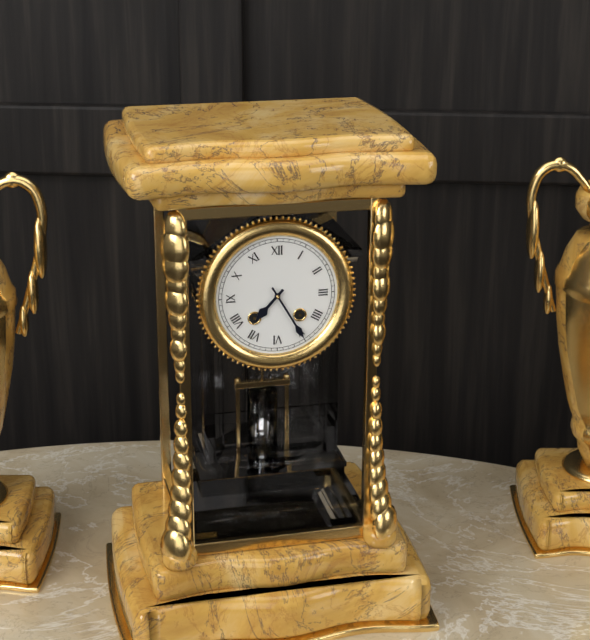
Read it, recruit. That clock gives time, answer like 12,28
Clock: 7,25
